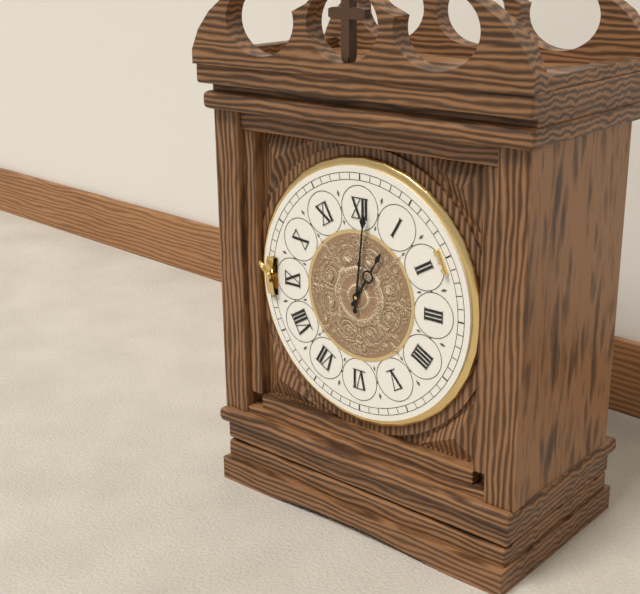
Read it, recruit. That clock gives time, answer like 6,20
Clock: 1,01
